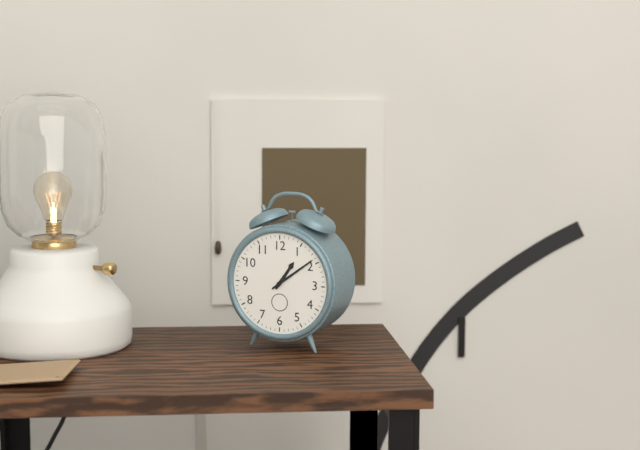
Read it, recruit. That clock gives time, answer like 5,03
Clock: 1,09
